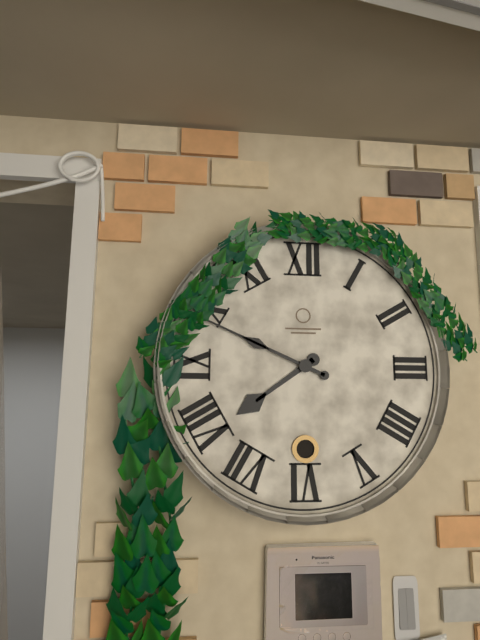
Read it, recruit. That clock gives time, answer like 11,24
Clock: 7,49
